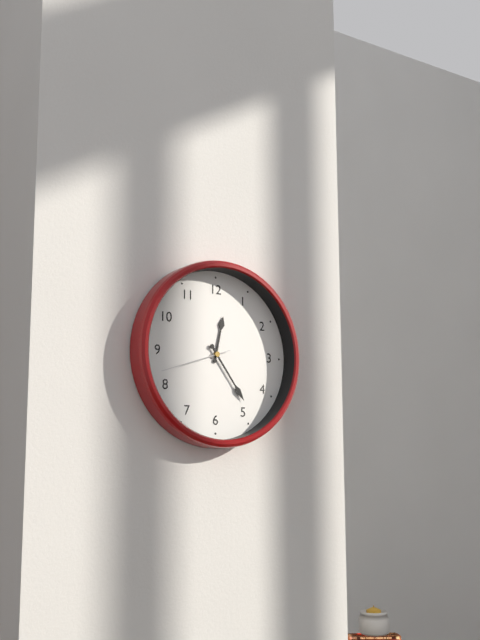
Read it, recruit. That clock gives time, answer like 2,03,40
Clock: 12,24,42
